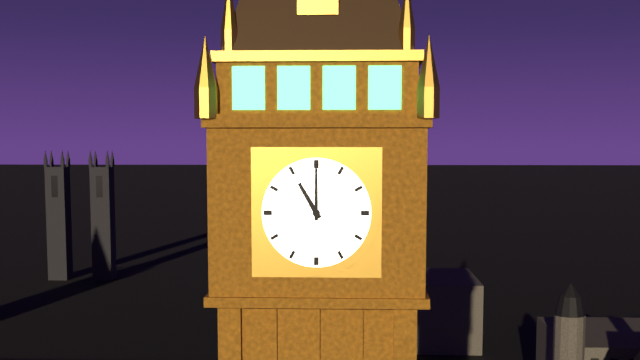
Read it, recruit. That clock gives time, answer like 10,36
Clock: 11,00
